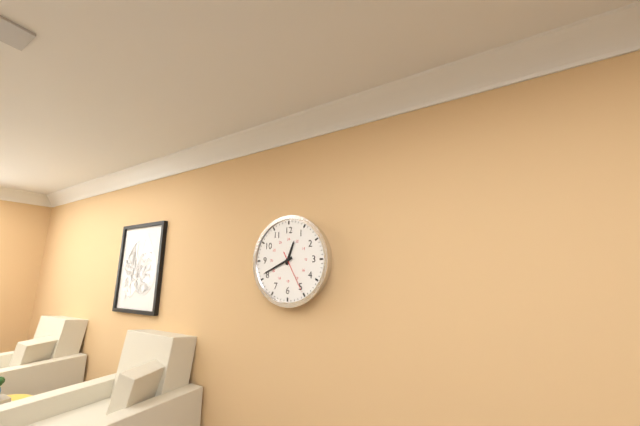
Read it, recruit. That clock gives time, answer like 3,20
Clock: 12,41
